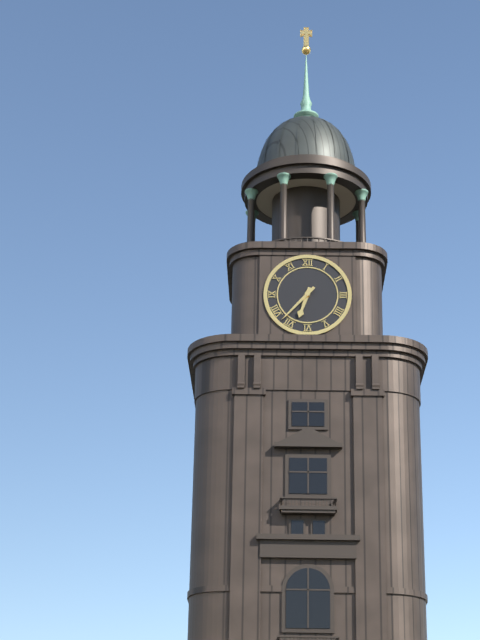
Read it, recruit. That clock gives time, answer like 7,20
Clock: 6,37
